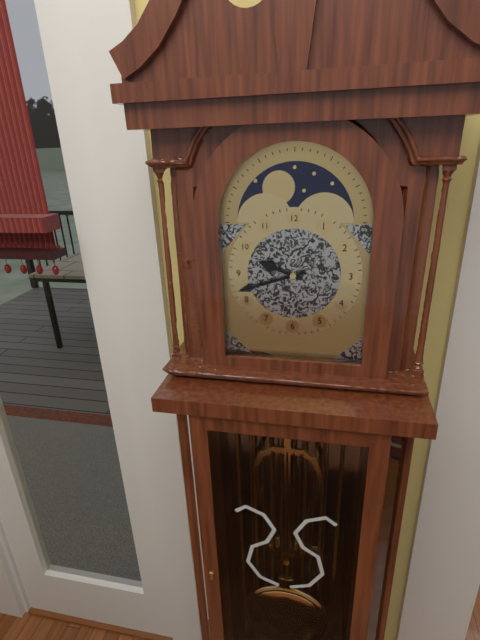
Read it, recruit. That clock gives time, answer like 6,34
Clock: 9,42
